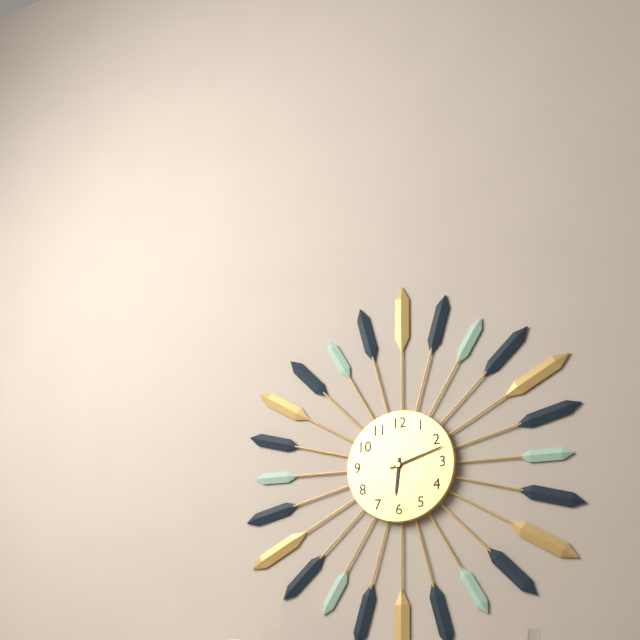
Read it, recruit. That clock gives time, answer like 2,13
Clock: 6,12
